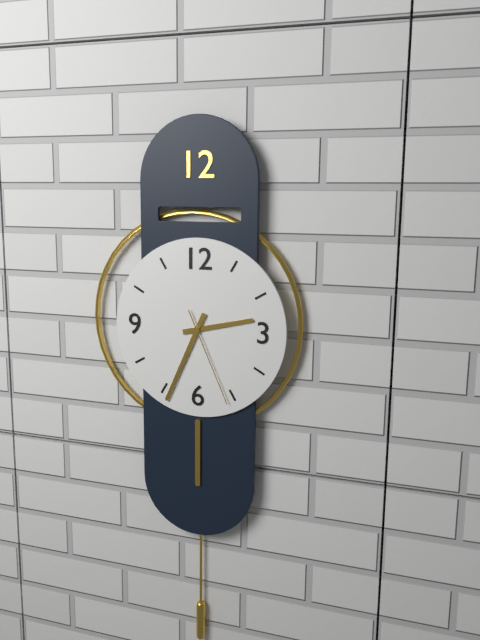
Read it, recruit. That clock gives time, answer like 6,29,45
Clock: 2,34,26
